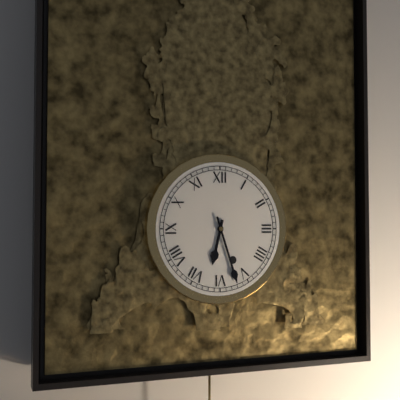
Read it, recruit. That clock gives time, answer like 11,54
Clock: 6,27
